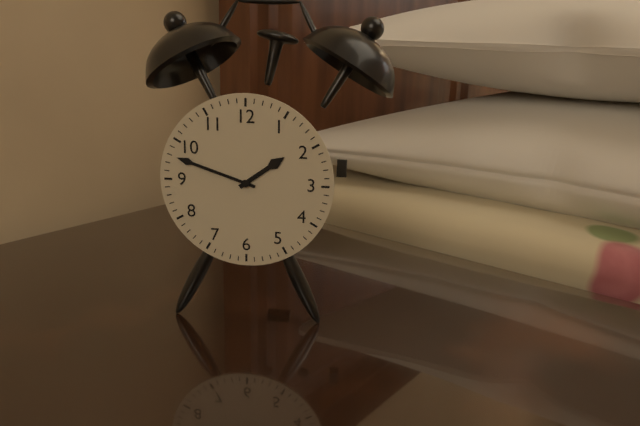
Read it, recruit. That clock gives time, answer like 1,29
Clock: 1,48
